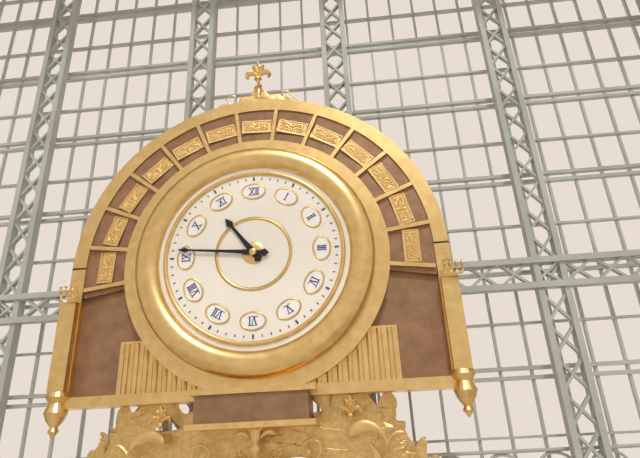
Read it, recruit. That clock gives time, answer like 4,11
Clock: 10,46
